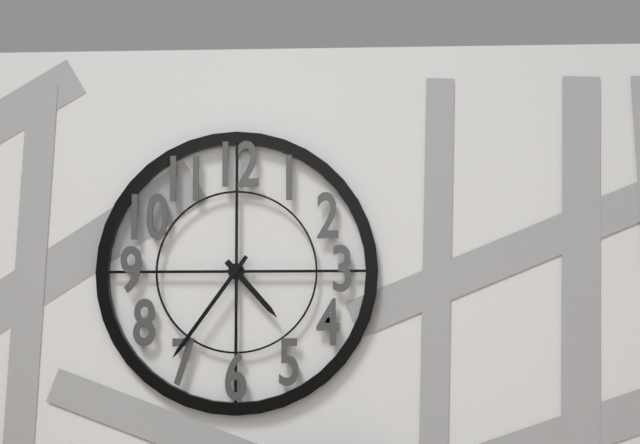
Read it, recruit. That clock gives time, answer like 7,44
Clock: 4,36
